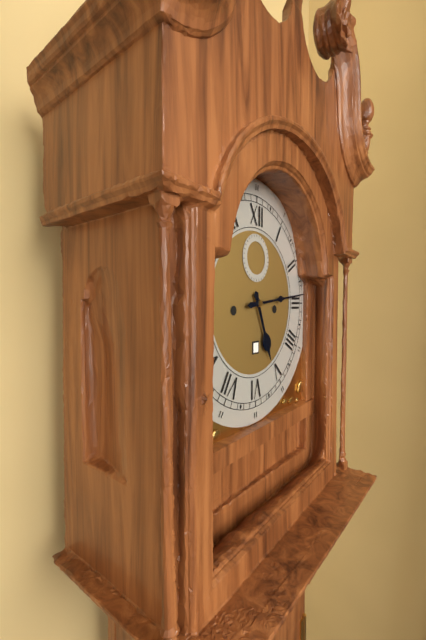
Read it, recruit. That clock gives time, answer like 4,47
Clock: 5,14
